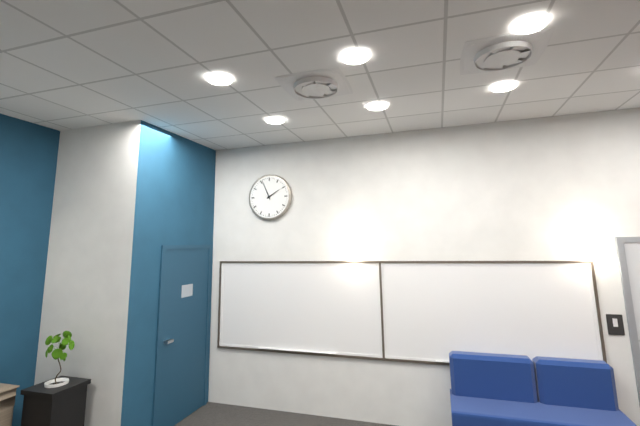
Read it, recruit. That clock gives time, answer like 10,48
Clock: 1,56
